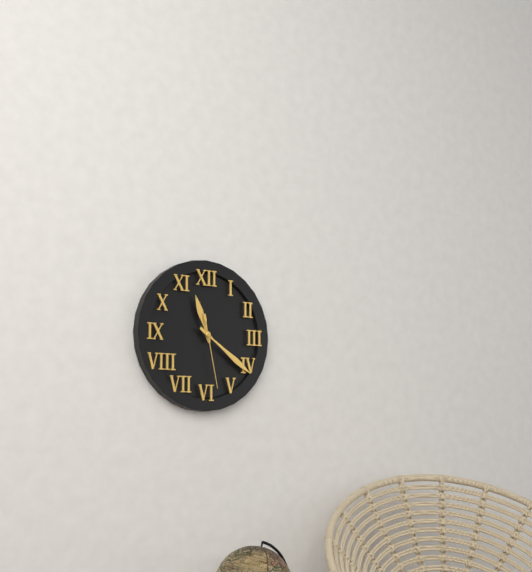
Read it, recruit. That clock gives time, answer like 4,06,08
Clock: 11,21,28
